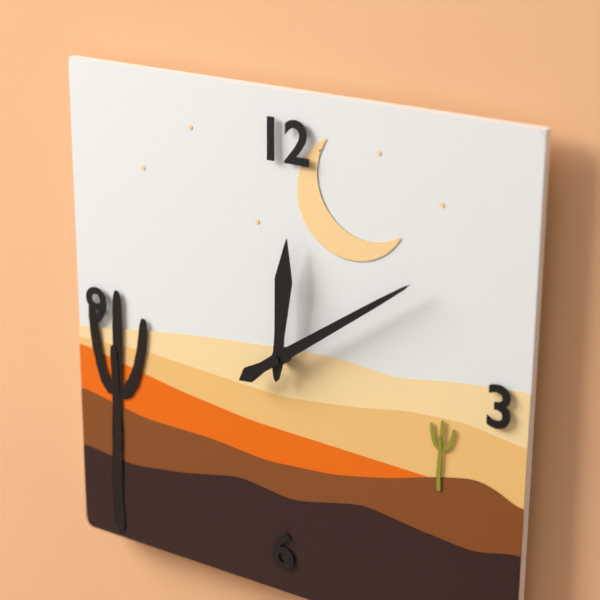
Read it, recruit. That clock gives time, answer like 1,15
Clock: 12,09
